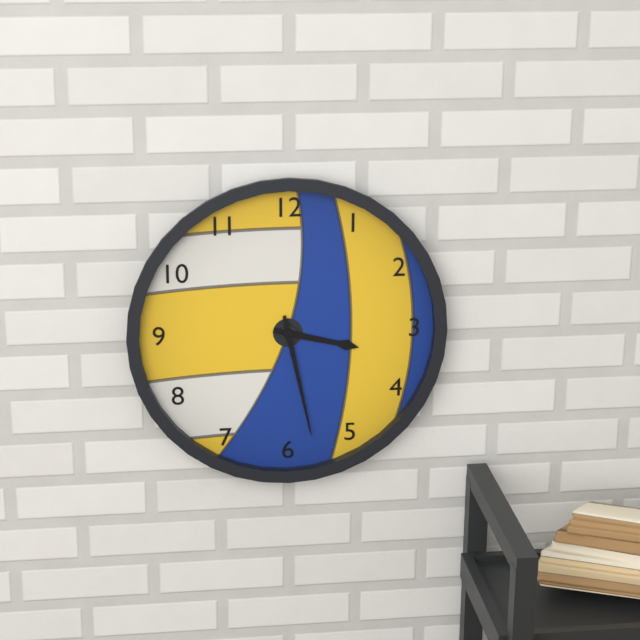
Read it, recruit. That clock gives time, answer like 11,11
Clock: 3,28
